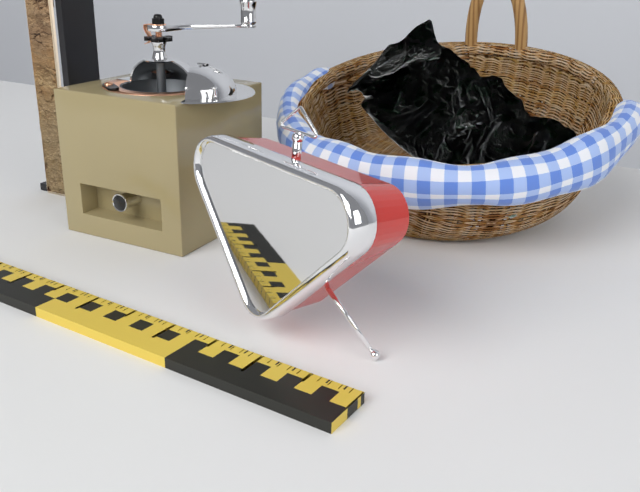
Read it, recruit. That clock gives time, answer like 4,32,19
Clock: 12,56,02
